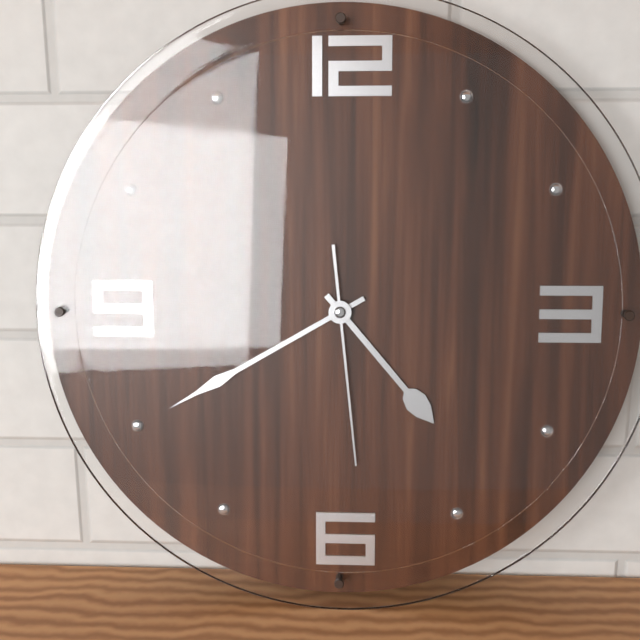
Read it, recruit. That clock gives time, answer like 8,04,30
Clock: 4,40,29
